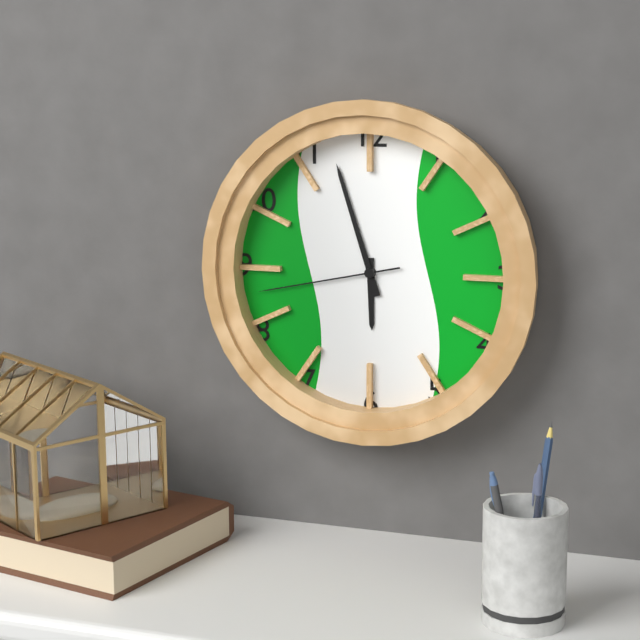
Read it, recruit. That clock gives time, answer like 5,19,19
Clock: 5,57,43
